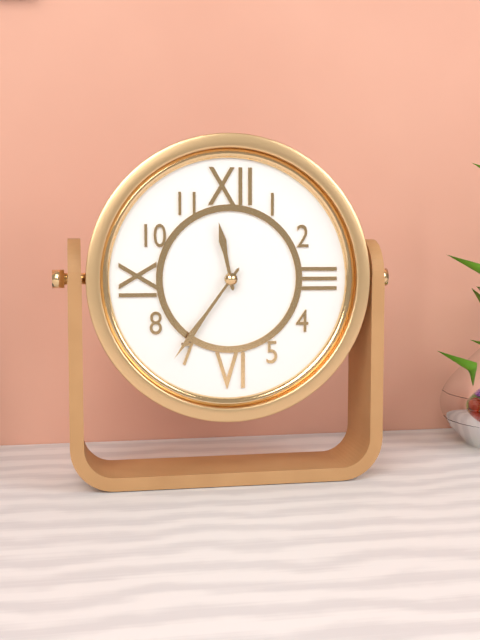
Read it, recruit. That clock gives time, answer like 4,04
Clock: 11,36
